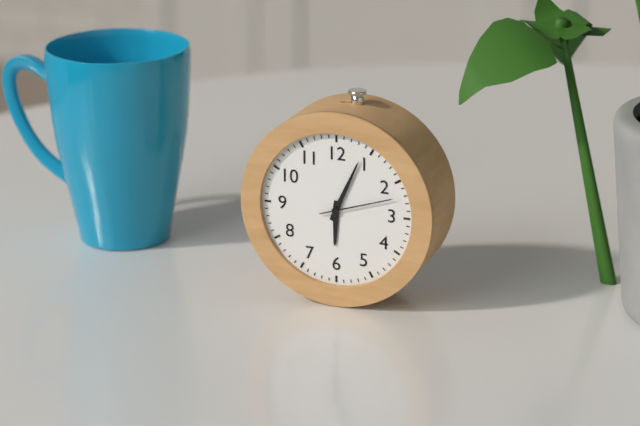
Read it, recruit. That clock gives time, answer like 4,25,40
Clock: 6,04,12
